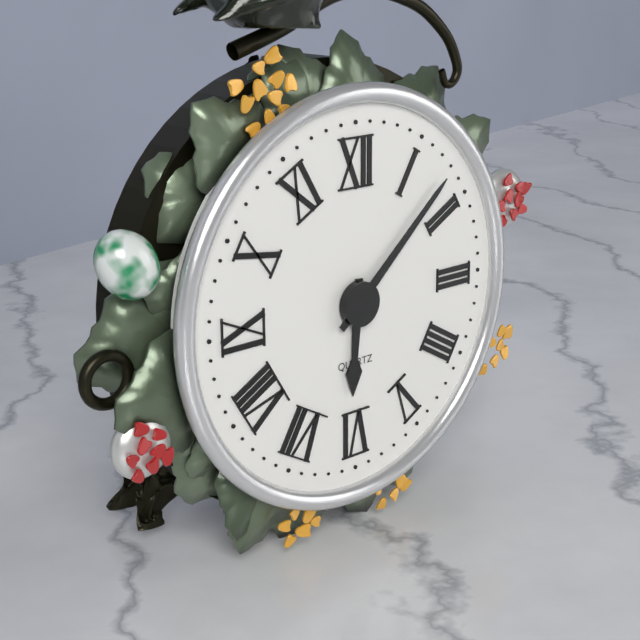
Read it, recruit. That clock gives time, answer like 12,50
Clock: 6,08
